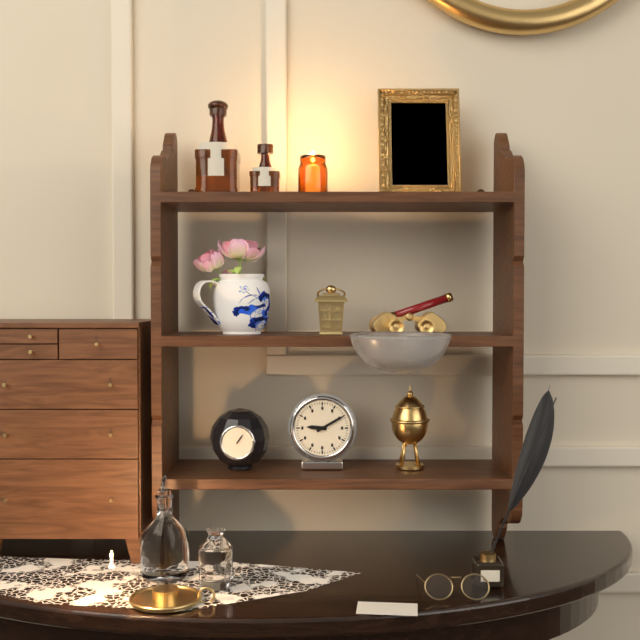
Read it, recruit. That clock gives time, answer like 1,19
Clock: 9,10
